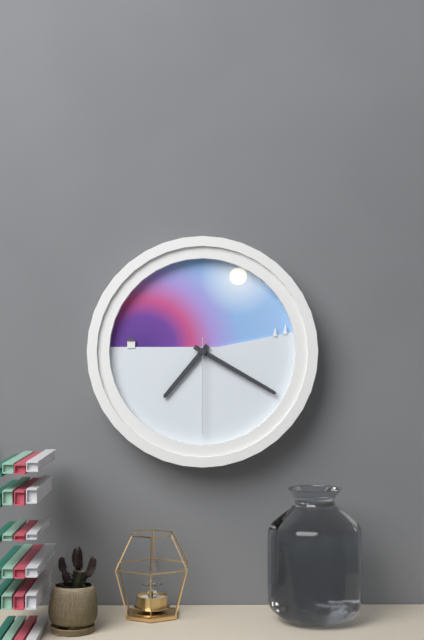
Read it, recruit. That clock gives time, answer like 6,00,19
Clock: 7,20,30
